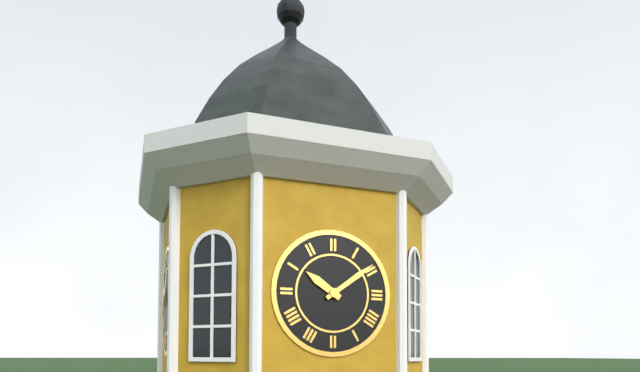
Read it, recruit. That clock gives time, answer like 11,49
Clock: 10,09
